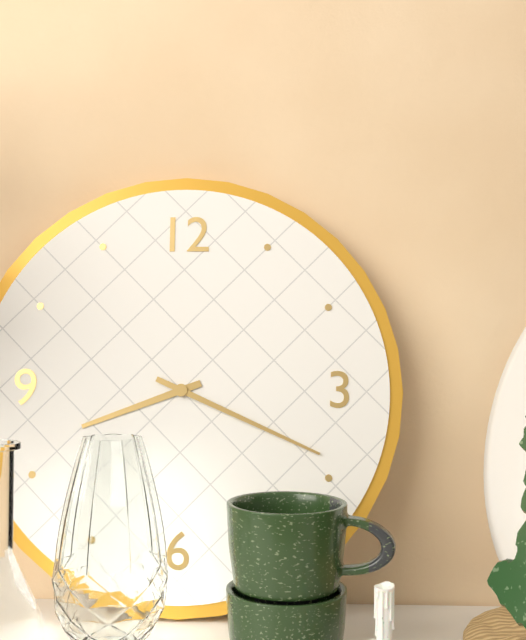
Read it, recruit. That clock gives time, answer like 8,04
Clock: 8,19
